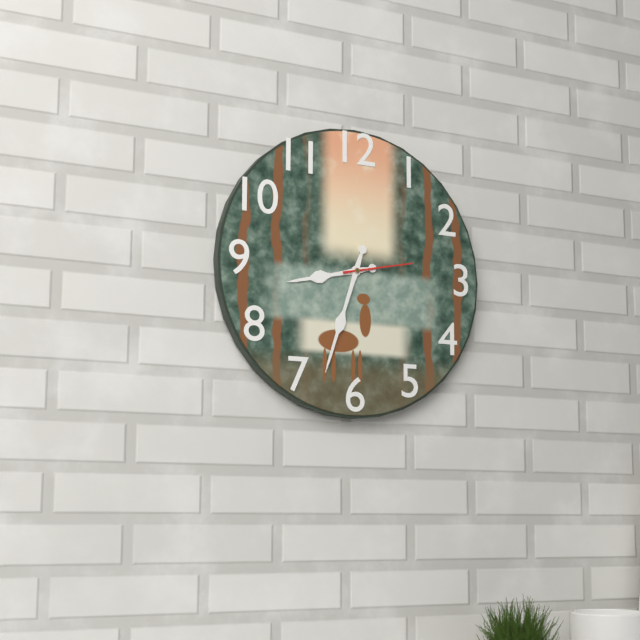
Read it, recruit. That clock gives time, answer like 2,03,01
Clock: 8,33,13
